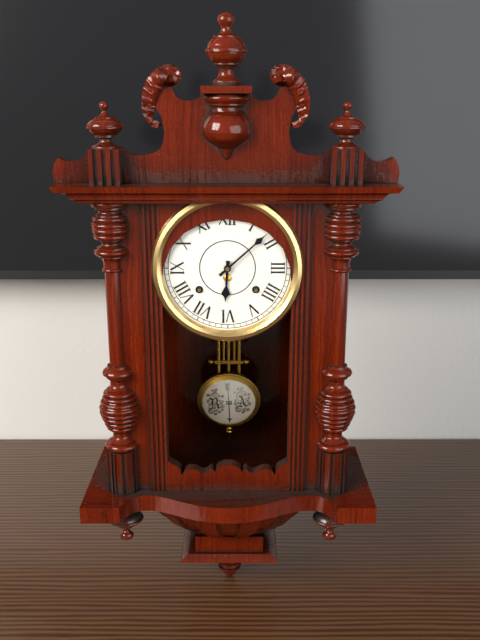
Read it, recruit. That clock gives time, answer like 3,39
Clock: 6,08
